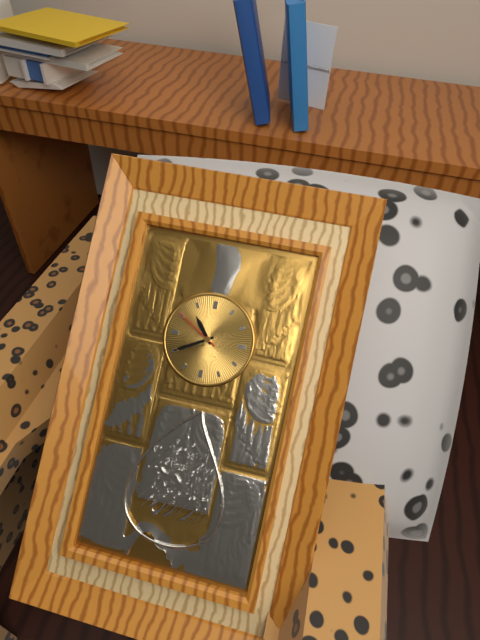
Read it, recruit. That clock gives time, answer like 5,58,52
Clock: 10,40,50
